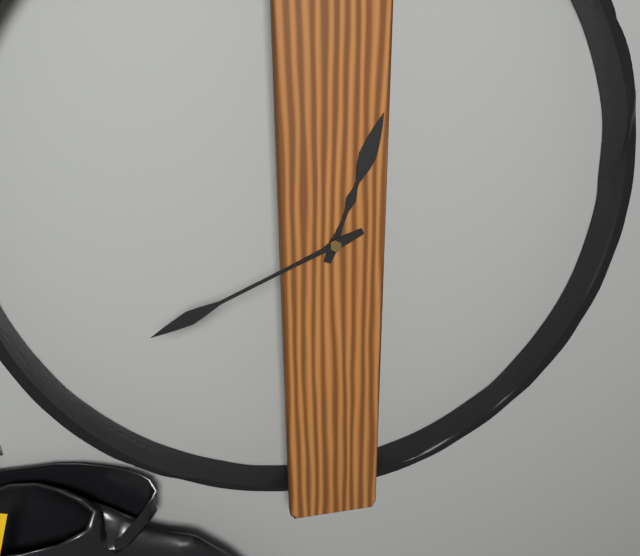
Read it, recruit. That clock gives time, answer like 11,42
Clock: 12,41
